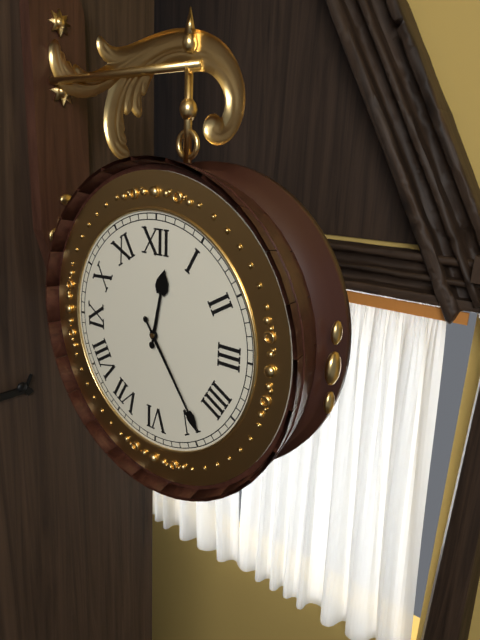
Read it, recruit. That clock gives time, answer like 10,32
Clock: 12,24
